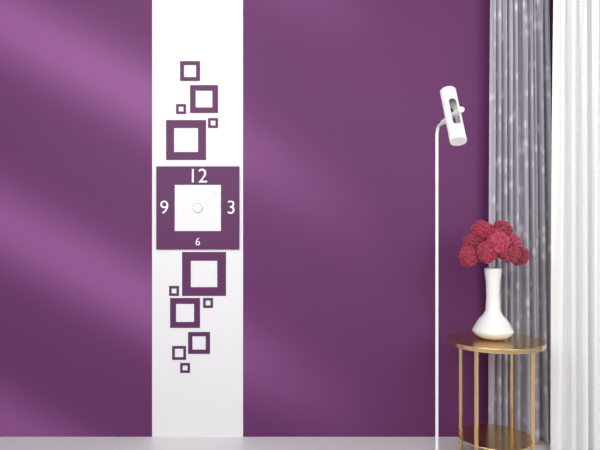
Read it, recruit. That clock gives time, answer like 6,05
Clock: 2,08
